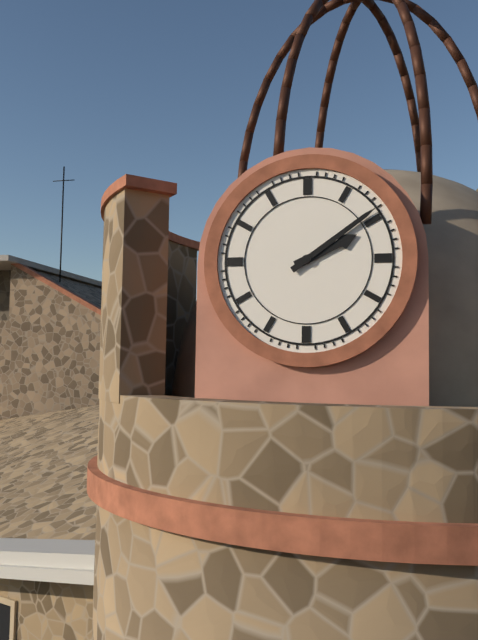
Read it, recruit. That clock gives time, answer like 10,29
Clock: 2,09
